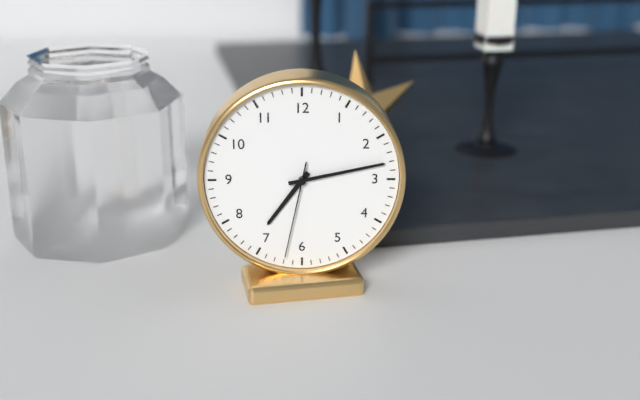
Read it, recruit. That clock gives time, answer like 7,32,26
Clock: 7,13,32
